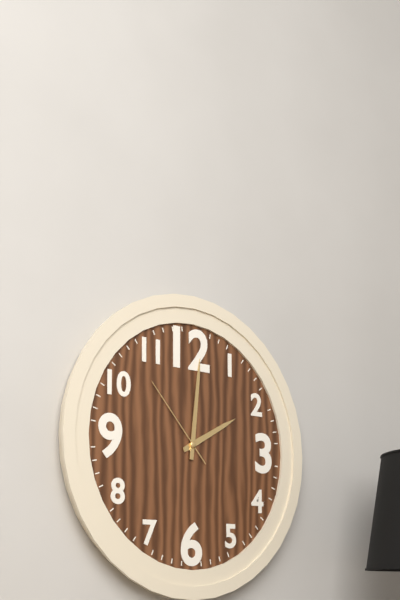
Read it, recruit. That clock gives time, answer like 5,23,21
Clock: 2,01,53
